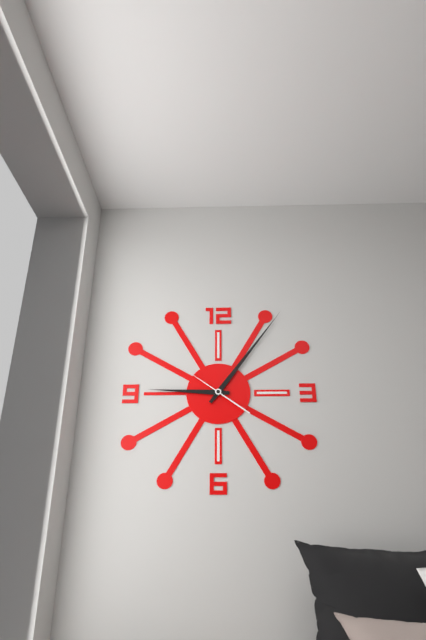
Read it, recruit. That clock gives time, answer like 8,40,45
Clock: 9,06,51
